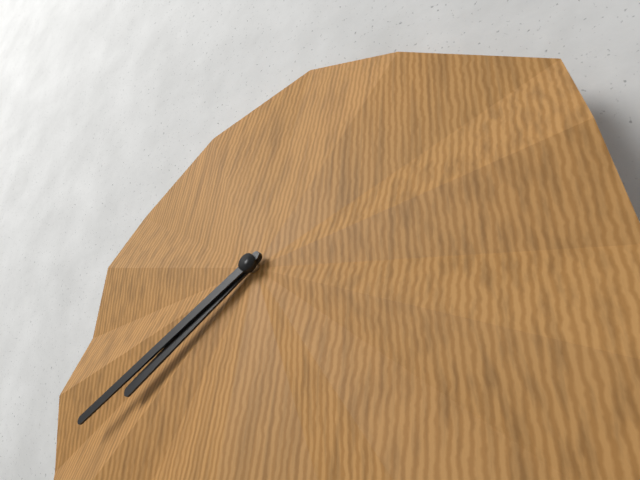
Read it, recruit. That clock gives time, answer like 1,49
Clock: 7,39
